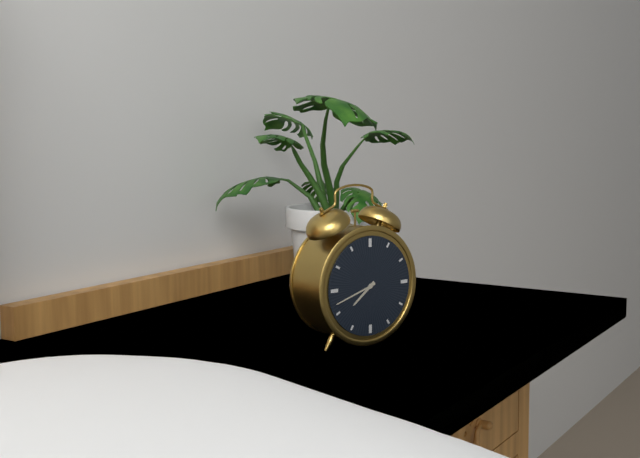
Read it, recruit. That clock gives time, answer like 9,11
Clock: 7,42
